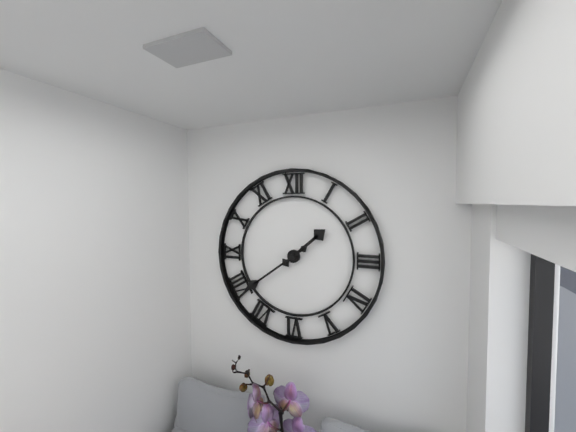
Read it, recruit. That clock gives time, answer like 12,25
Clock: 1,39
